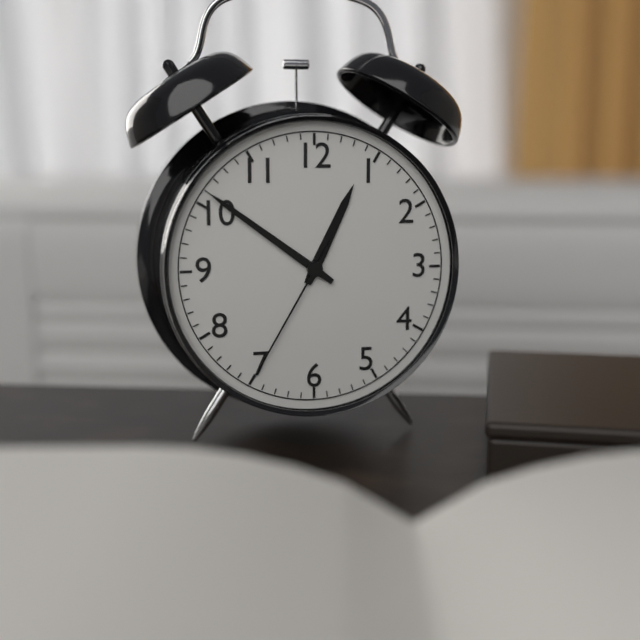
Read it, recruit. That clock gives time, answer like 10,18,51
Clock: 12,51,35
